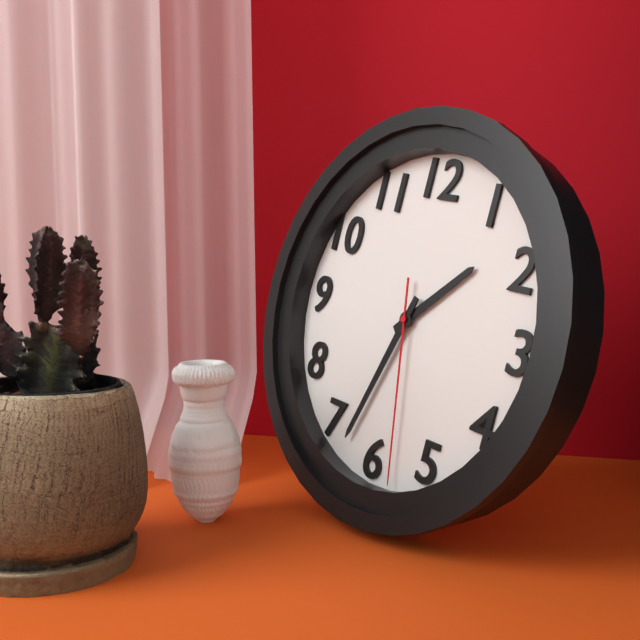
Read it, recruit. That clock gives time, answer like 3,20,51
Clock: 1,33,28
